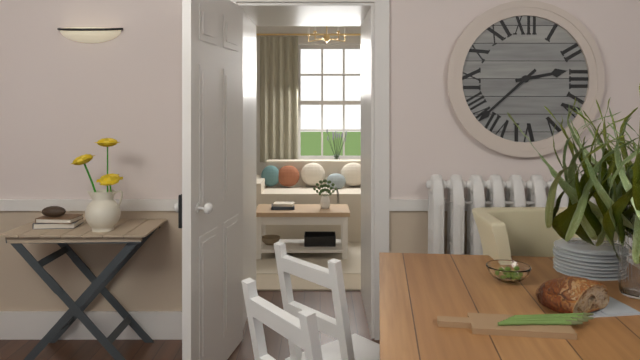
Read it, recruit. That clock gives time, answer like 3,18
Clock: 2,38
